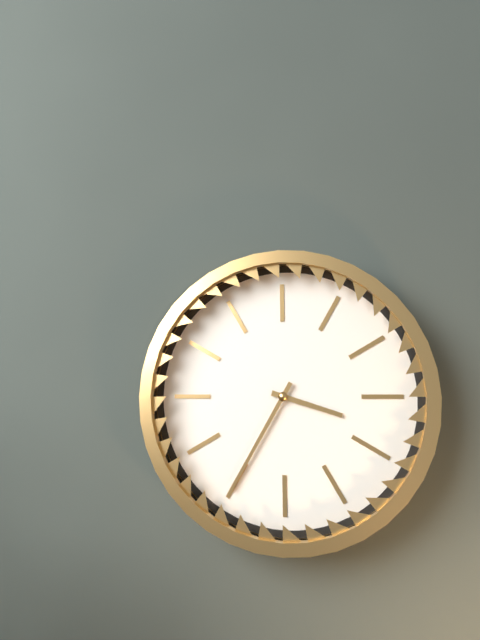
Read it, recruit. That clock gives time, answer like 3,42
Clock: 3,35
